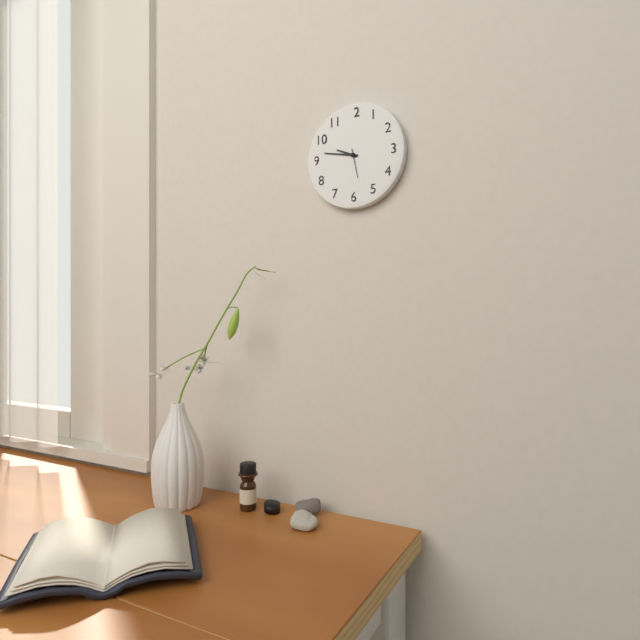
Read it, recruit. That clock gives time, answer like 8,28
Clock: 9,47
